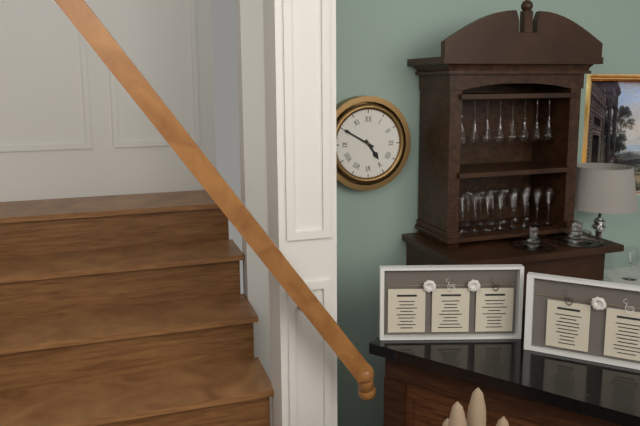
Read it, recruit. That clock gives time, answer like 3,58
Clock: 4,50
